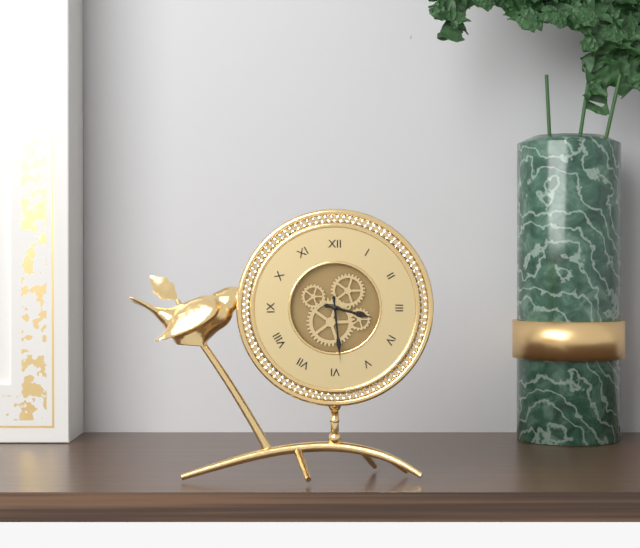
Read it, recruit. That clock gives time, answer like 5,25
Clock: 3,29
